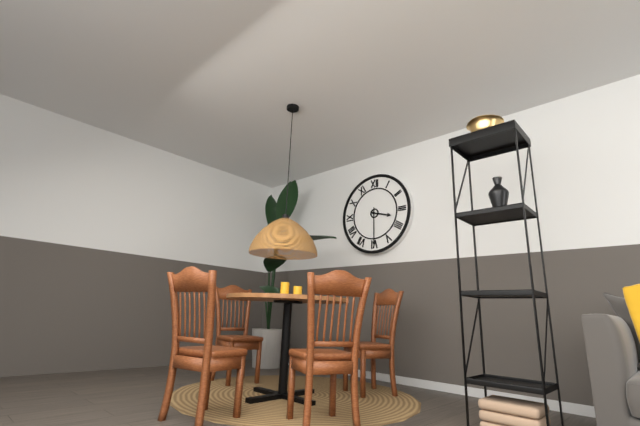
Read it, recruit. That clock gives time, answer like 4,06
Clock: 3,30
